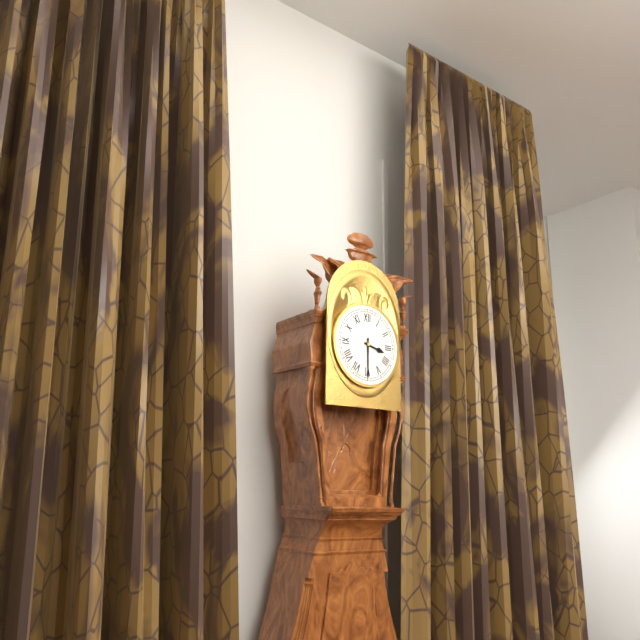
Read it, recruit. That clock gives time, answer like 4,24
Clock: 3,30
